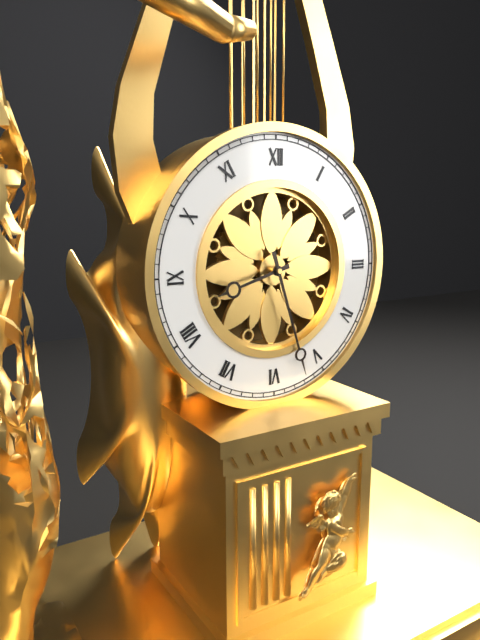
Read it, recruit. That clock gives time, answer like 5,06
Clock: 8,27
